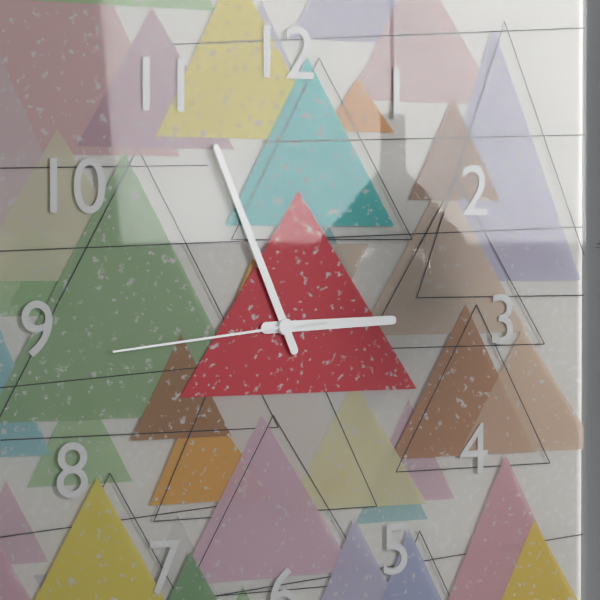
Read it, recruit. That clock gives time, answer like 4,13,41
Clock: 2,56,44
